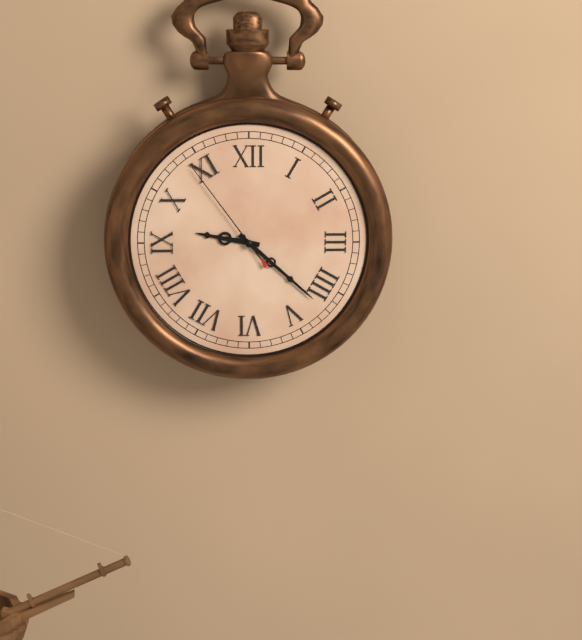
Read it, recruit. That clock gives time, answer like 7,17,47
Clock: 9,22,54
